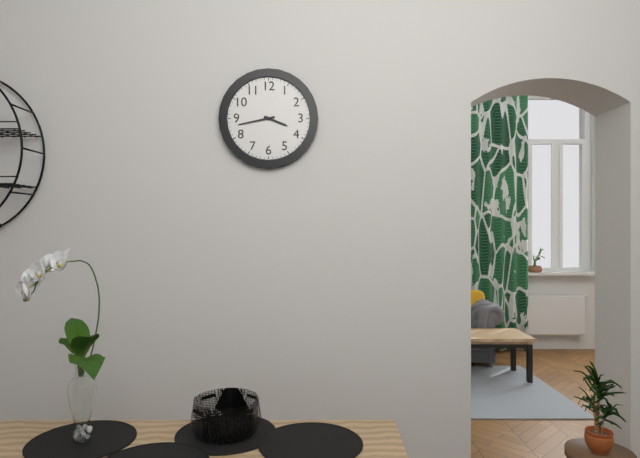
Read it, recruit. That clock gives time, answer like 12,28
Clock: 3,43
